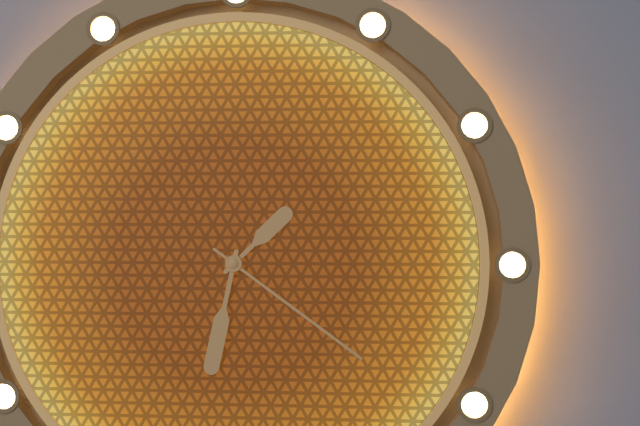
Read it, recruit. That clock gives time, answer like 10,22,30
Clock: 1,32,21
